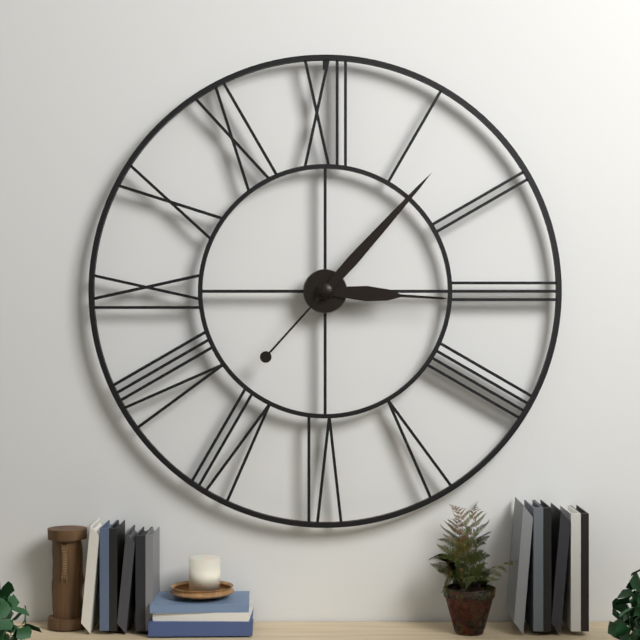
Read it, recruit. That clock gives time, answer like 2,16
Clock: 3,07
